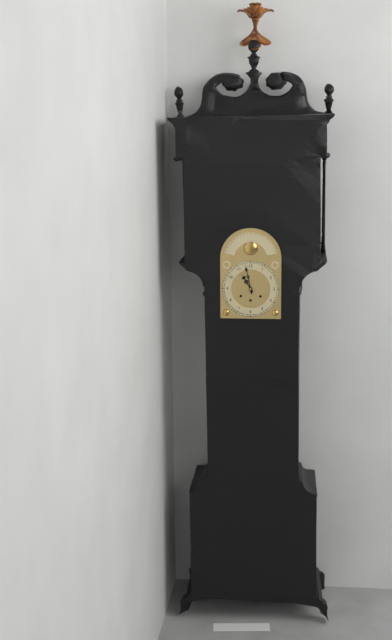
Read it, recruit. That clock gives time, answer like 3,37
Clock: 10,58
